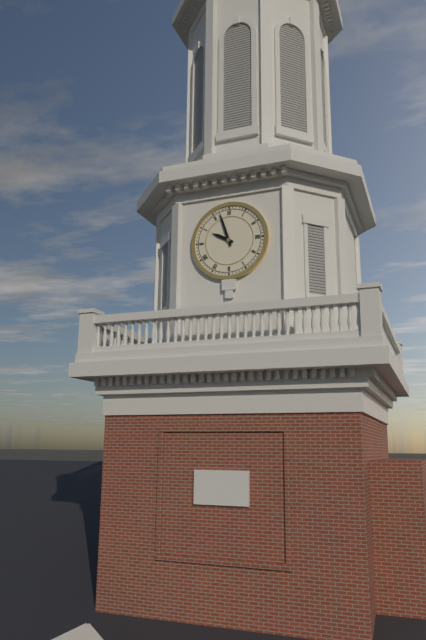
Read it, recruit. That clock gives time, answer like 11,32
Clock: 9,57
